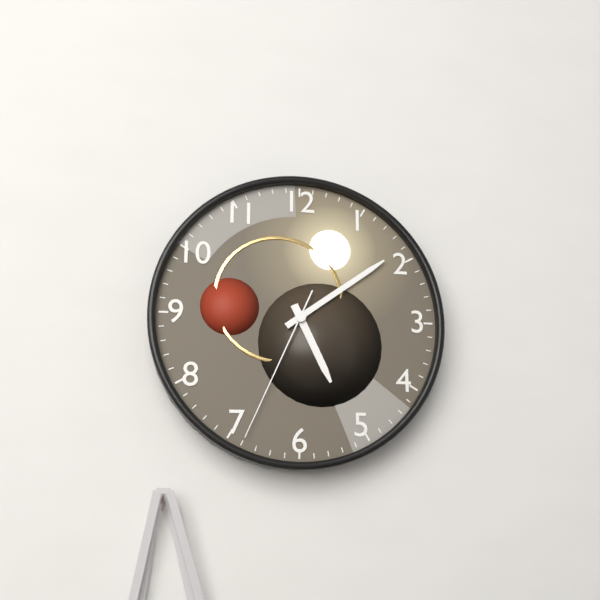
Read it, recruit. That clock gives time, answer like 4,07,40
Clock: 5,09,34
